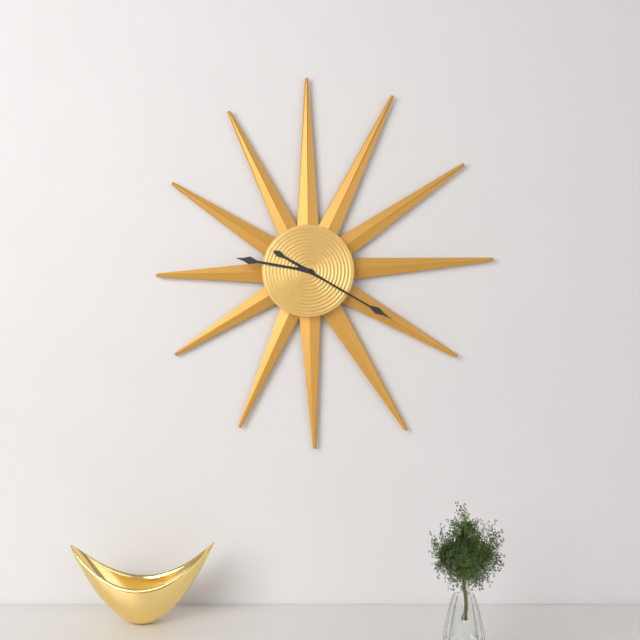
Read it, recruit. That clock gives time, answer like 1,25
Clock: 9,20
